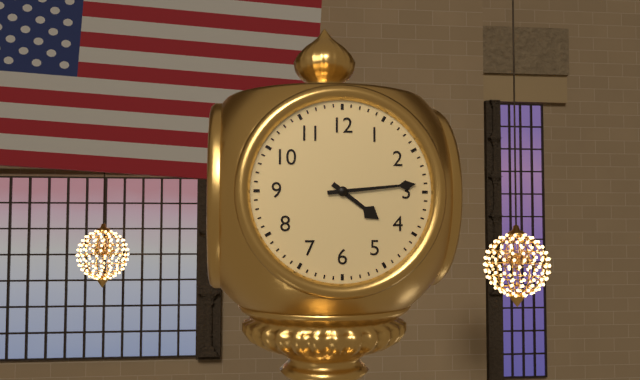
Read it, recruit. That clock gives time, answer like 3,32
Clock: 4,14
